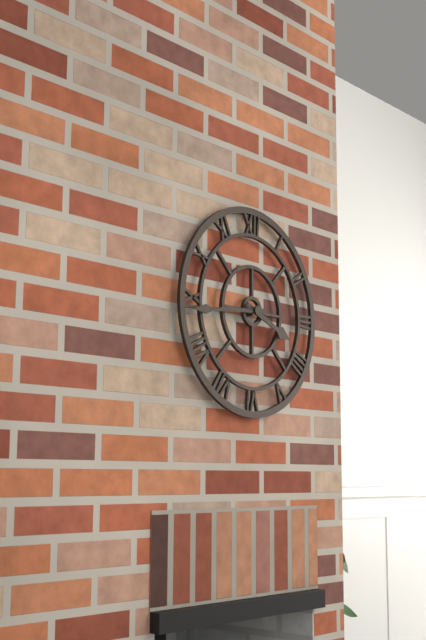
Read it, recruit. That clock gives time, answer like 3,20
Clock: 3,44
